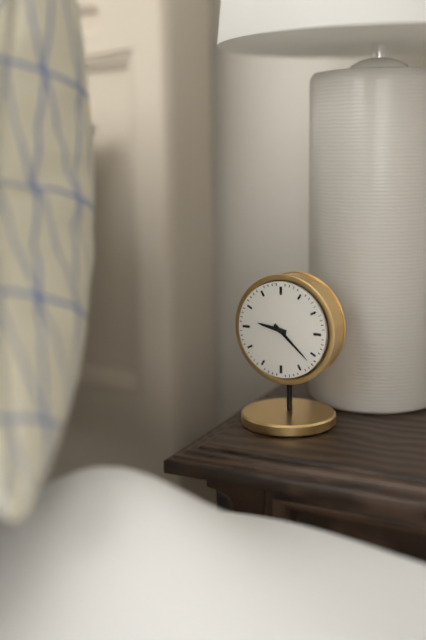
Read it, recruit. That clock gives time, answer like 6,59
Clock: 9,22
